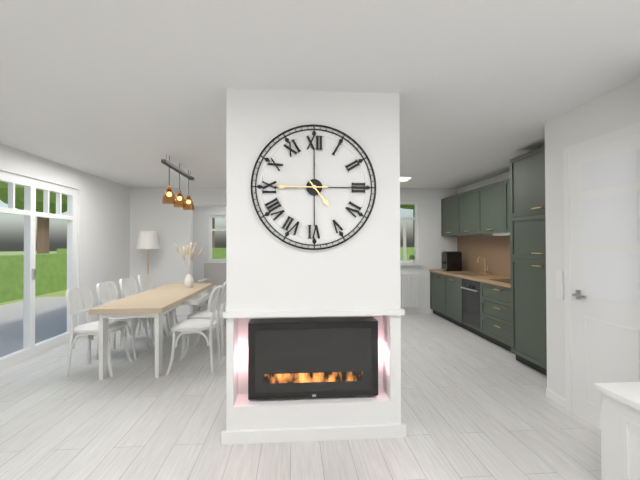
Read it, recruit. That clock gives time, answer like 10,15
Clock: 4,45
